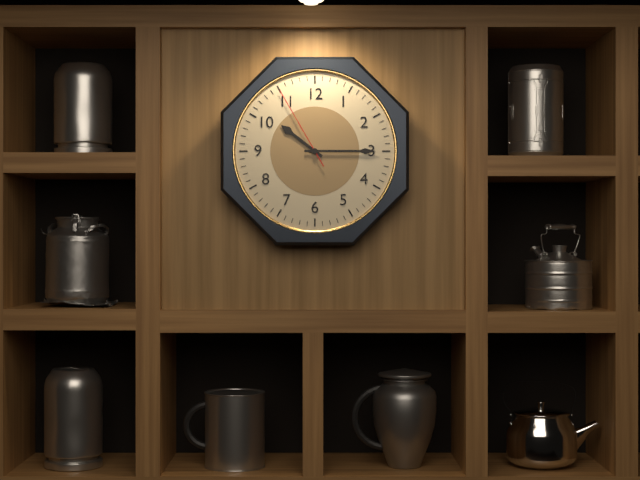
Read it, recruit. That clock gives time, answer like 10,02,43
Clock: 10,15,55
